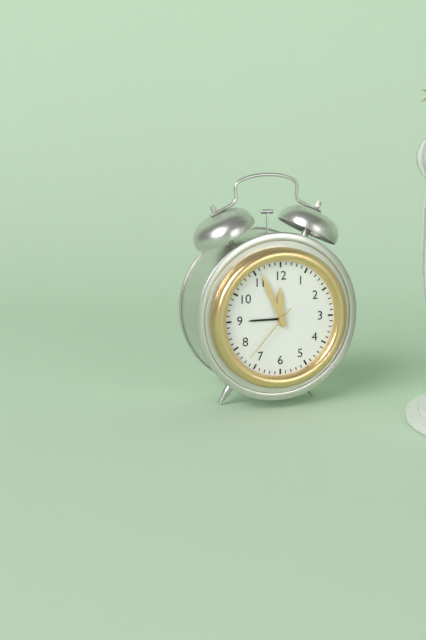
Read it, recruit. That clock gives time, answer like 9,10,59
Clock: 11,56,37
